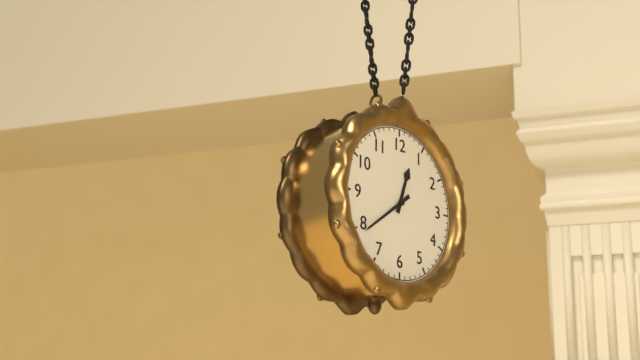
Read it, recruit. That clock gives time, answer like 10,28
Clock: 12,39
